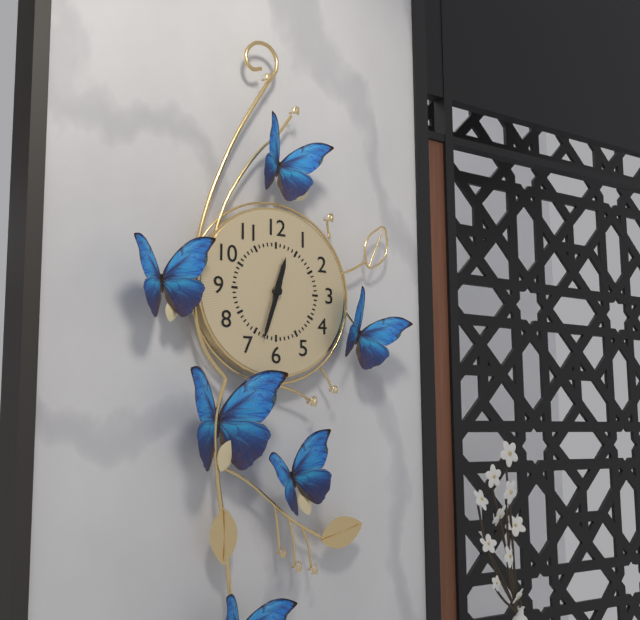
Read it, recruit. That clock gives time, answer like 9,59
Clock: 12,33
